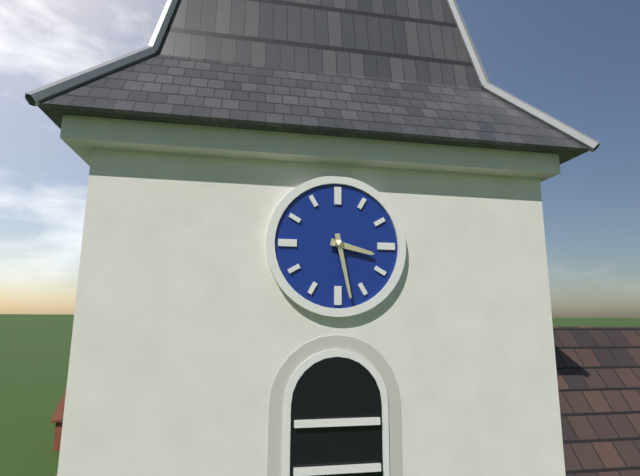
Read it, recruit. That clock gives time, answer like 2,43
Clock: 3,28
